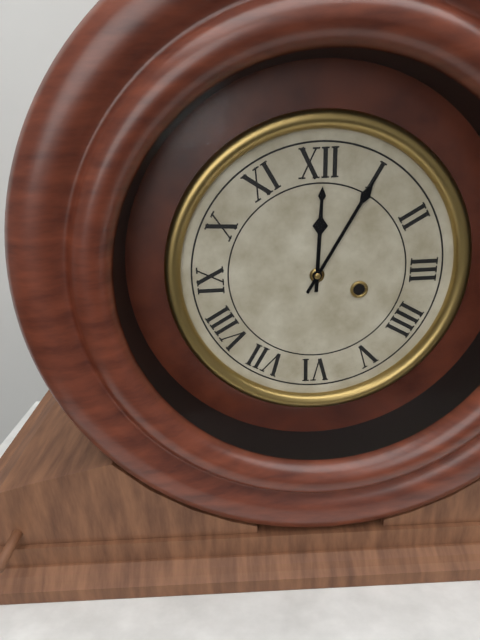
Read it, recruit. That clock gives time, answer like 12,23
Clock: 12,05
